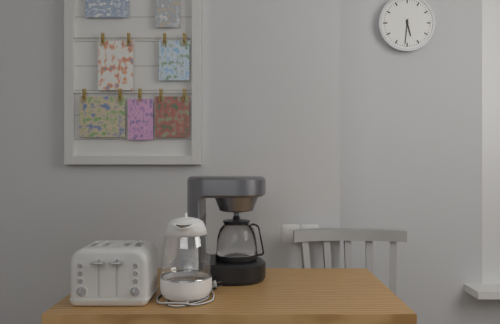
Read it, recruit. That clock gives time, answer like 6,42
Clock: 5,31
